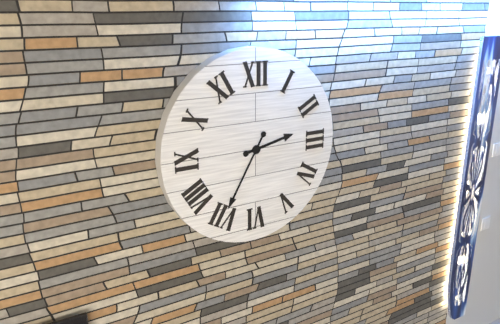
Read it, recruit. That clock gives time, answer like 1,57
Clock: 2,35
